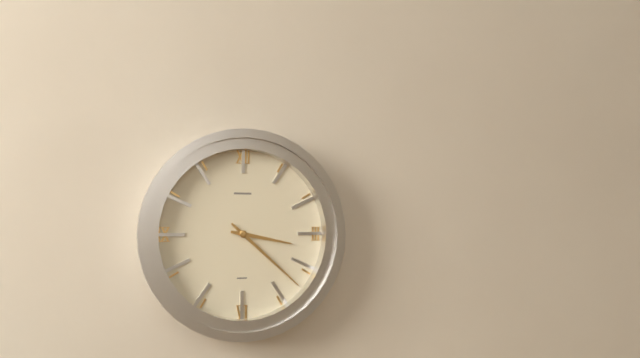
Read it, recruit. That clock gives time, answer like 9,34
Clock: 3,22
